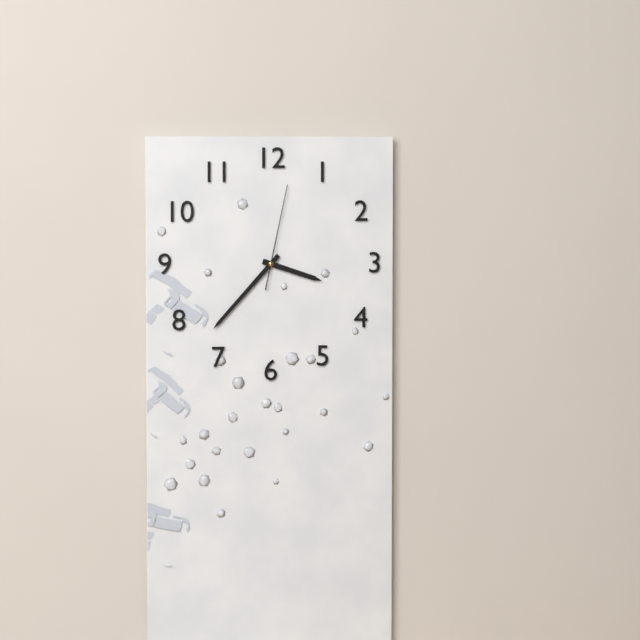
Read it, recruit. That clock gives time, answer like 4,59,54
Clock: 3,37,02
